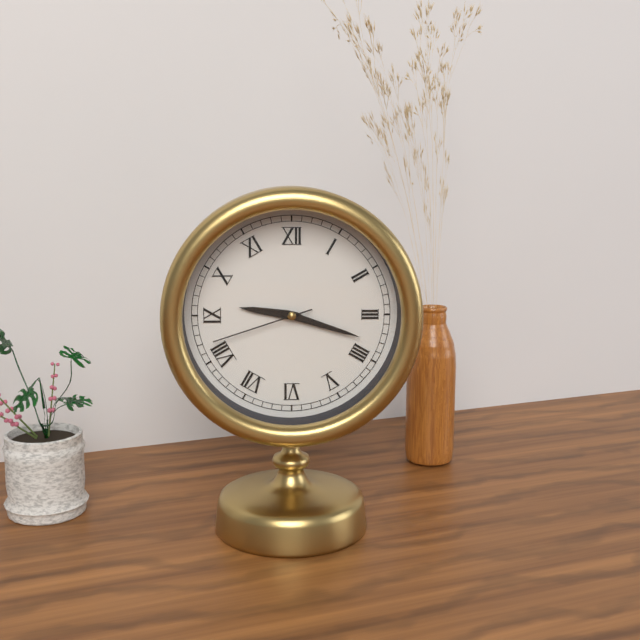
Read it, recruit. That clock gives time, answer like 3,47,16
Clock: 9,18,42
